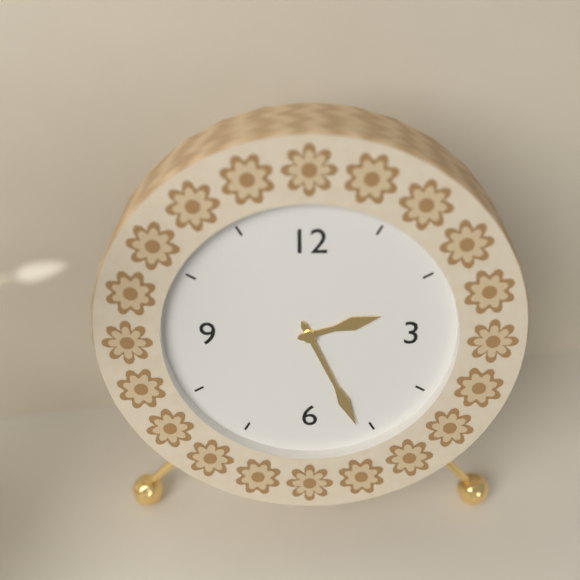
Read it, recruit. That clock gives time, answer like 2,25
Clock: 2,26
